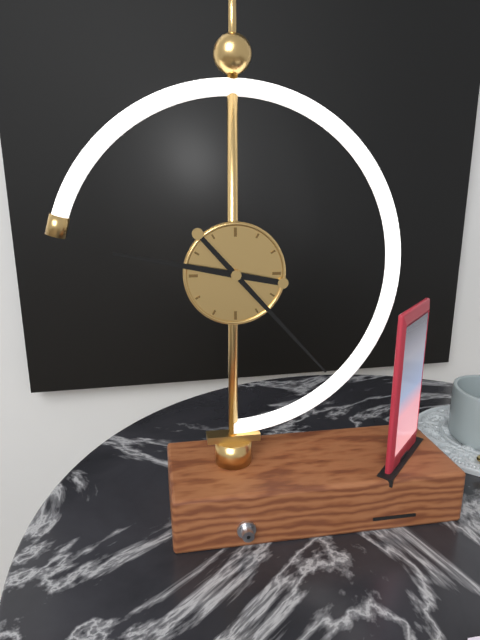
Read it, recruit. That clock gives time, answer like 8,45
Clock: 9,23
